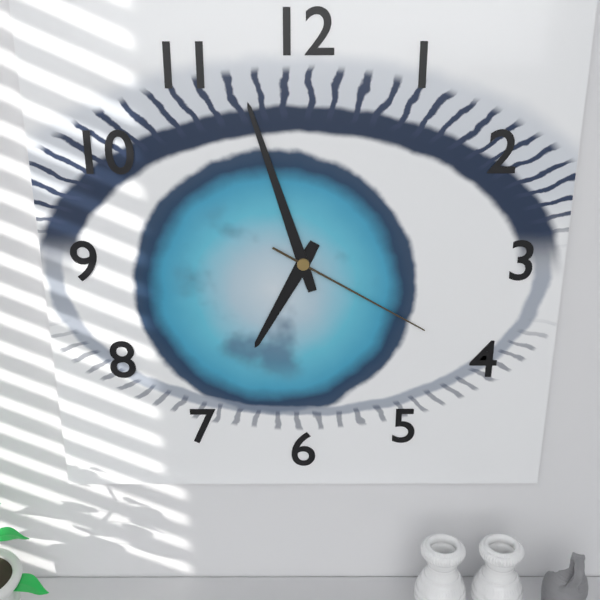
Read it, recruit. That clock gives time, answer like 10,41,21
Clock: 6,57,20
